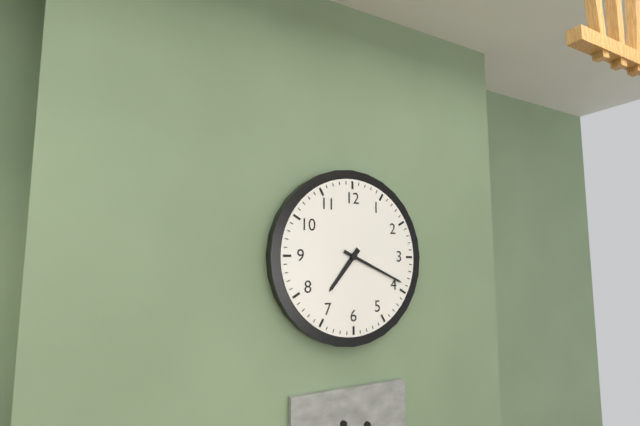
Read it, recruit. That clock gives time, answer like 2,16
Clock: 7,19
